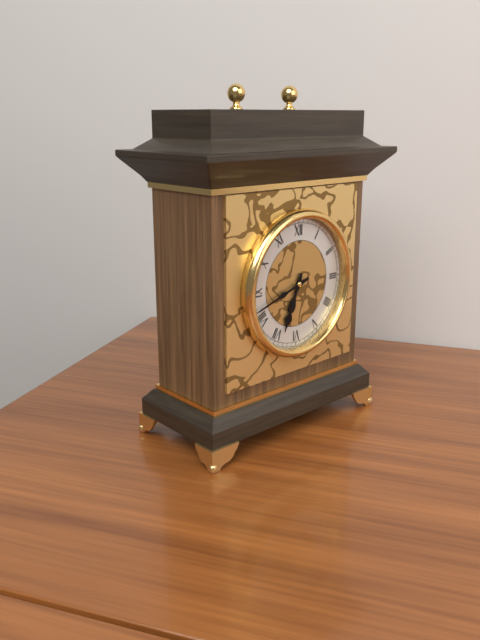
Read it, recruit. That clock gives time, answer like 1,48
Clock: 6,42
